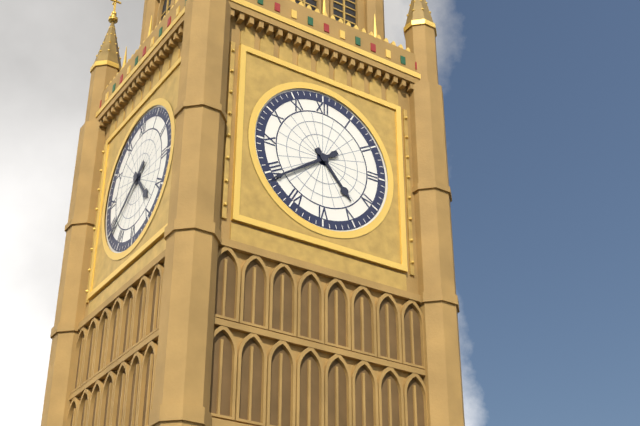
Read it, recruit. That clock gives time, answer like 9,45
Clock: 4,39
